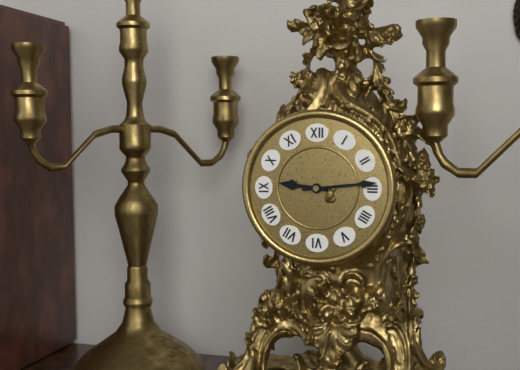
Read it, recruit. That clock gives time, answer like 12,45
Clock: 9,14
